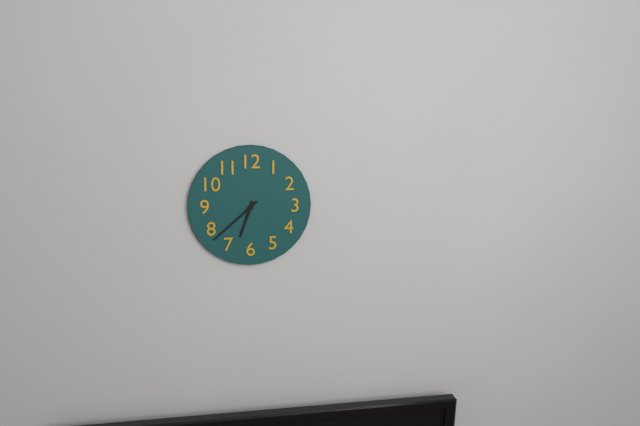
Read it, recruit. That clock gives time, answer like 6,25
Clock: 6,38
